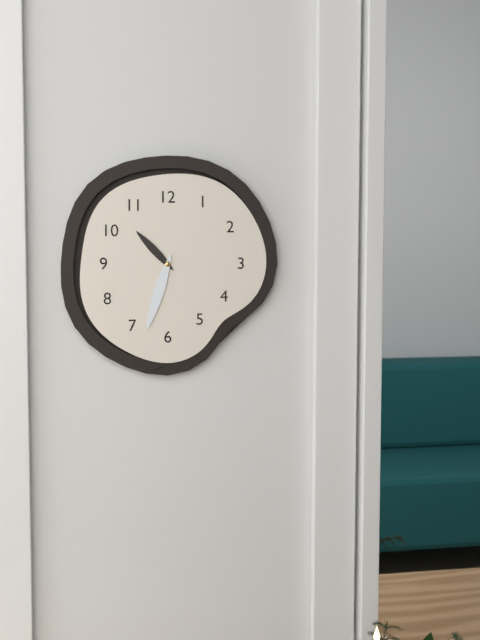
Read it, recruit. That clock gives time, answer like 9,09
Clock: 10,33
